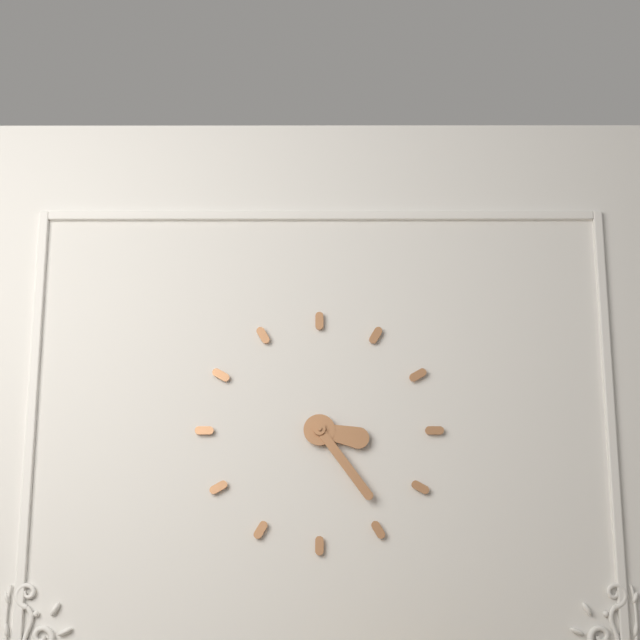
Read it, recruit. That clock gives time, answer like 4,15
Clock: 3,24
